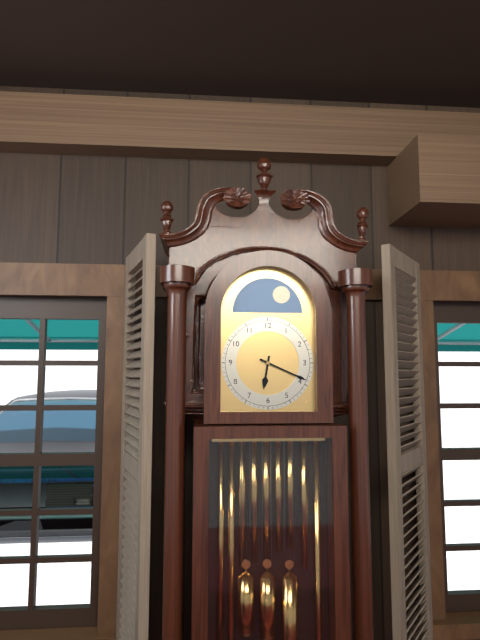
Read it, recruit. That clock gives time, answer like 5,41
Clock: 6,19
